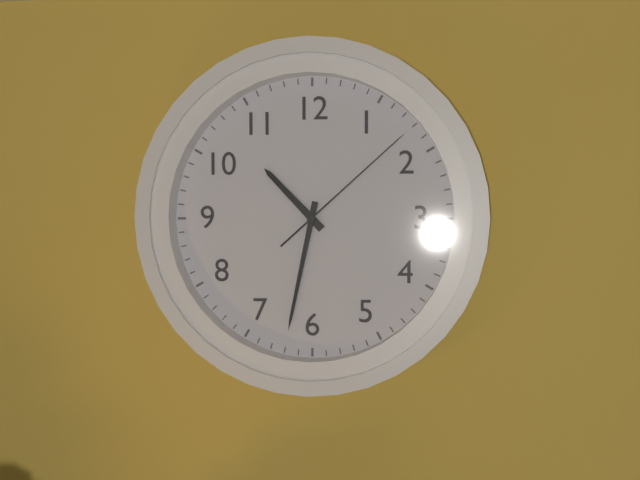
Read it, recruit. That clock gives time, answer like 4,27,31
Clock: 10,32,08
